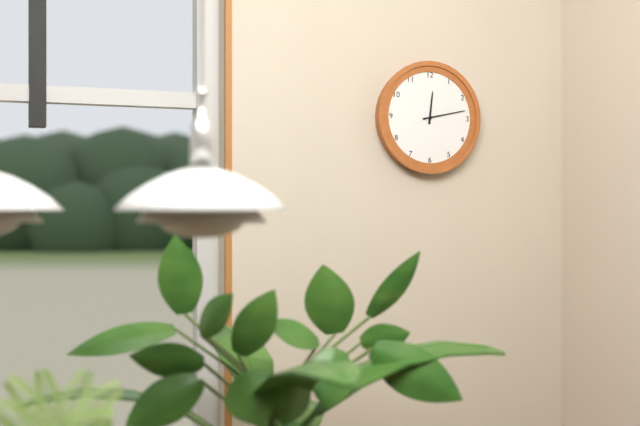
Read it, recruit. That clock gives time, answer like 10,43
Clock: 12,13
